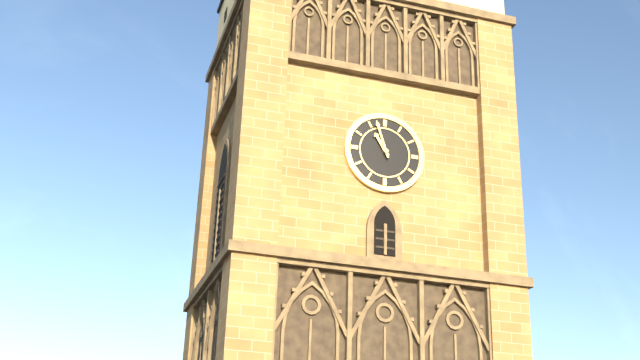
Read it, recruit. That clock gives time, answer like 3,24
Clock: 10,57
